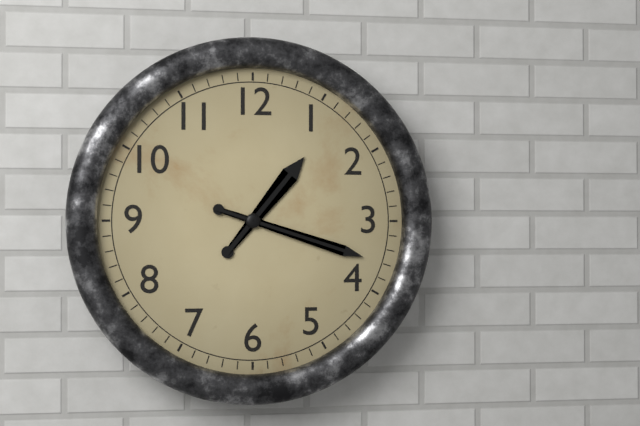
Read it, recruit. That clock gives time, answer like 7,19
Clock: 1,18
